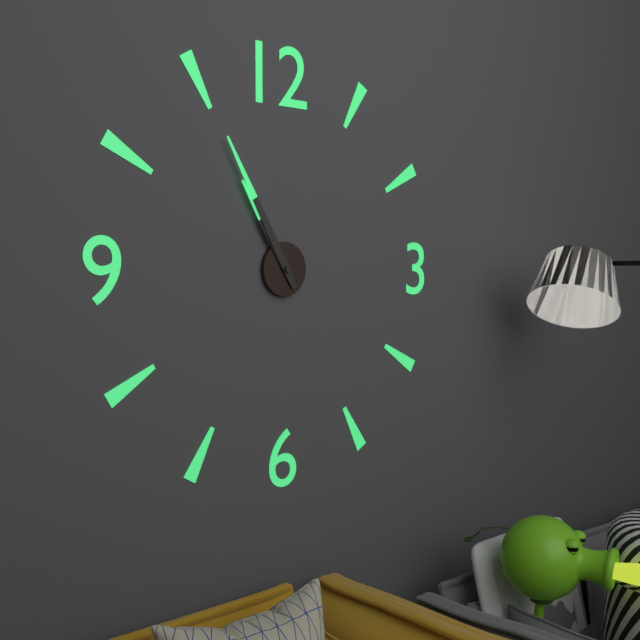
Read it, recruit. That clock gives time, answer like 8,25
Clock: 10,55
